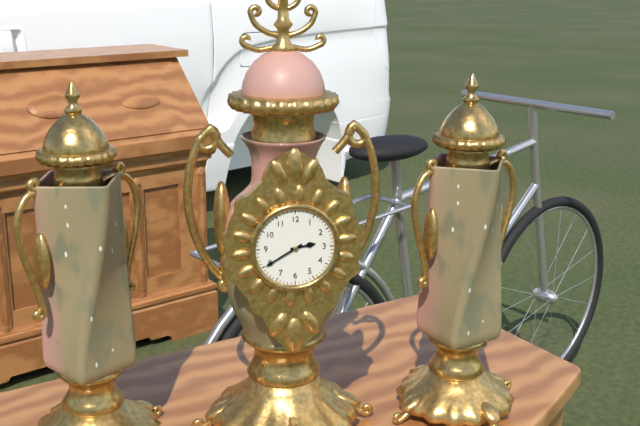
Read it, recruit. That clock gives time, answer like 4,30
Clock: 2,40
